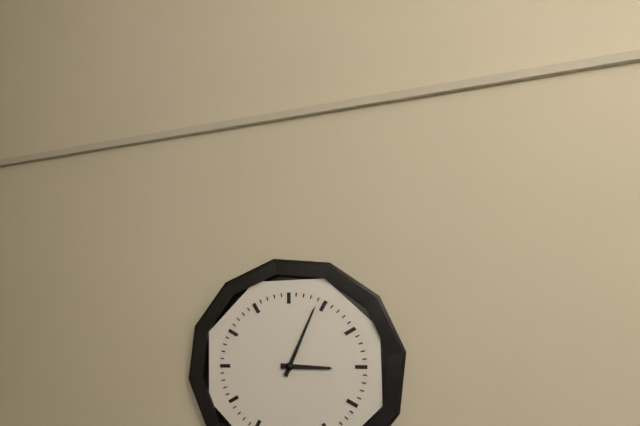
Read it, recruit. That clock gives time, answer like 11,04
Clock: 3,04
